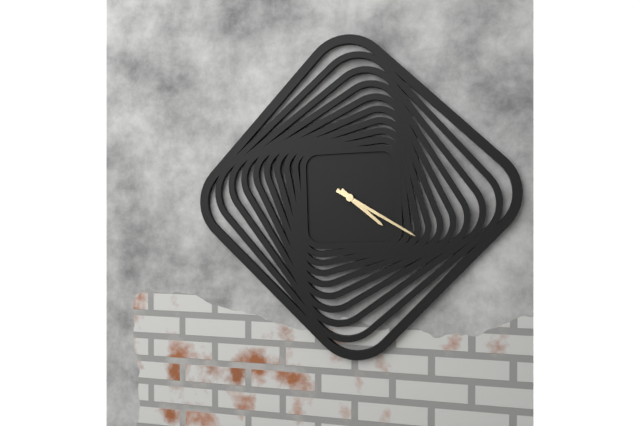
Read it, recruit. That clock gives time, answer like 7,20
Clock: 4,20
